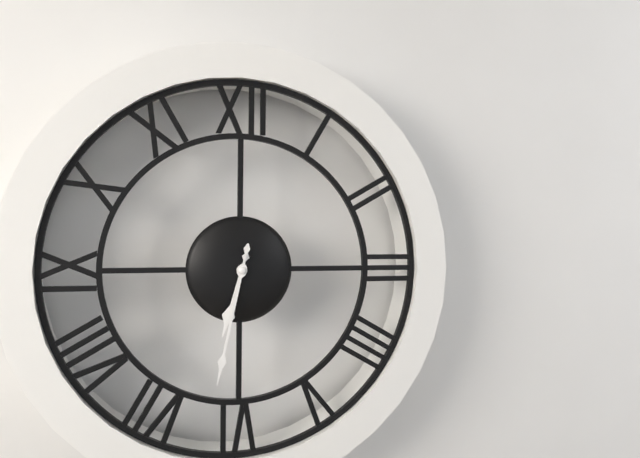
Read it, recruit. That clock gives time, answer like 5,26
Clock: 6,32
